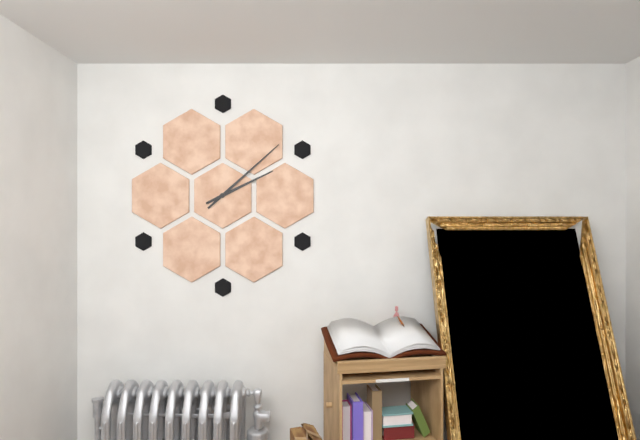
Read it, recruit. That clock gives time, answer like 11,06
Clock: 2,08
